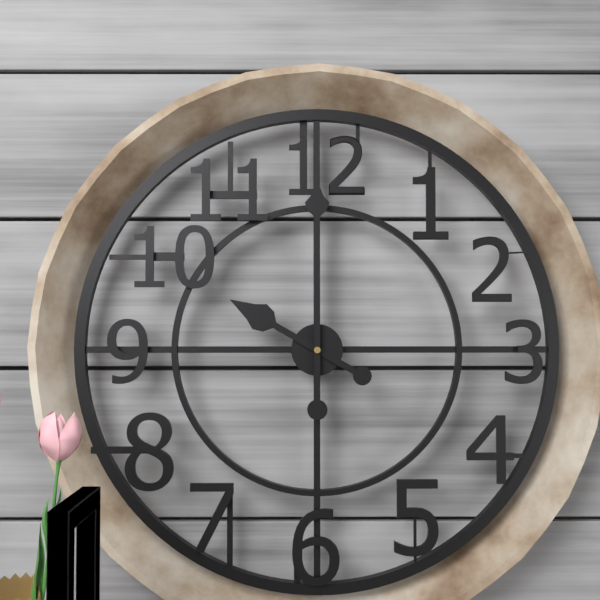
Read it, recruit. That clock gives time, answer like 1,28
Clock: 10,00
